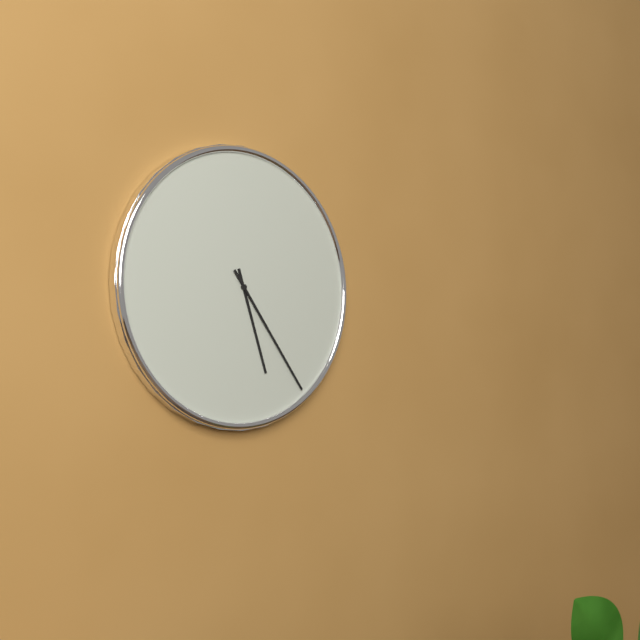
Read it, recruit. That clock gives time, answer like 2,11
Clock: 5,24
